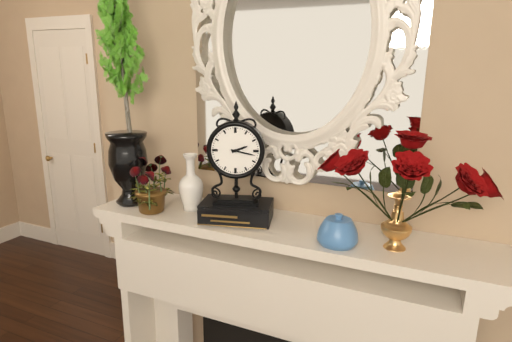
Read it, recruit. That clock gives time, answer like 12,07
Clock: 2,17
